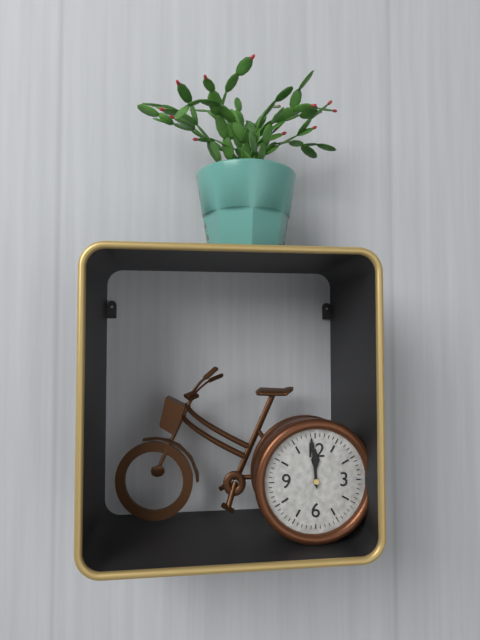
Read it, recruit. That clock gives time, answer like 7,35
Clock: 11,59
